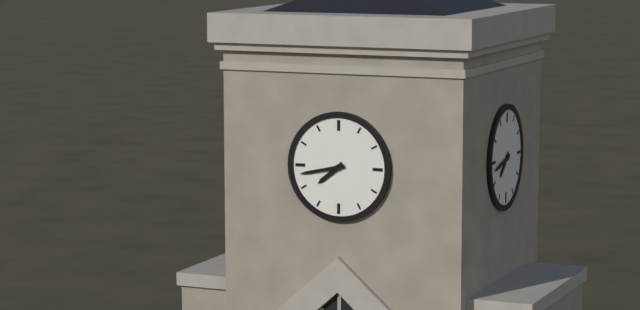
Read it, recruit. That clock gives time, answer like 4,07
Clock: 7,43
